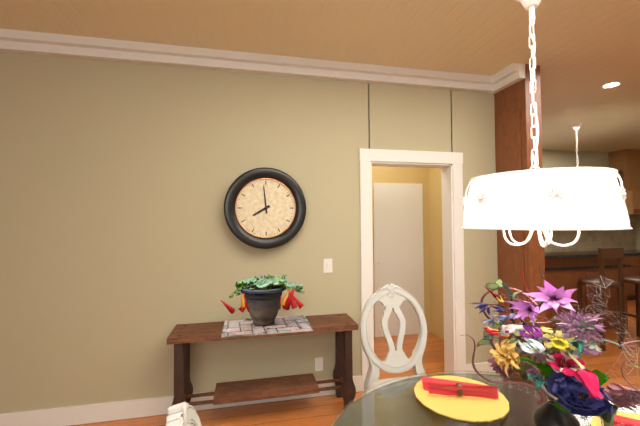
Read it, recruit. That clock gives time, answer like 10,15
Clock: 7,59
